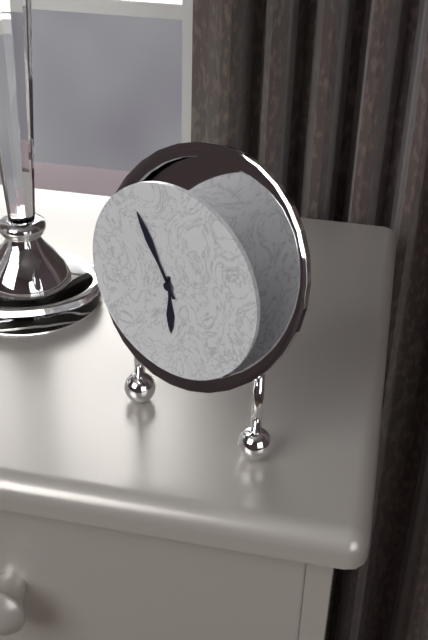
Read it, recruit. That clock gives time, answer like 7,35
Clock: 5,55
